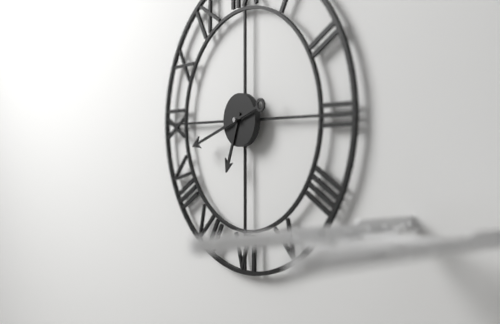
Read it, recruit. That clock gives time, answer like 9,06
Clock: 6,42
